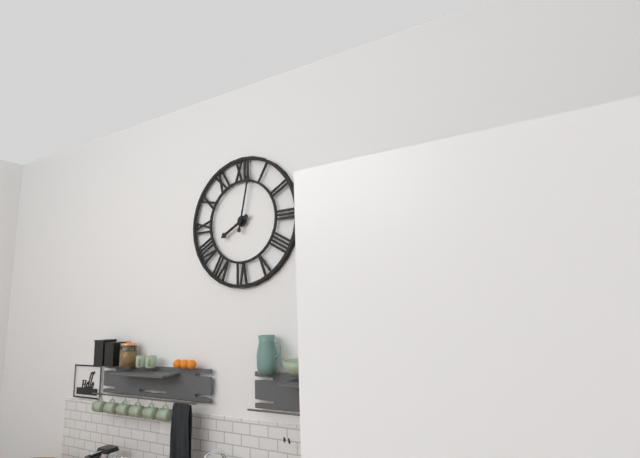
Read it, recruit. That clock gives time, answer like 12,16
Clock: 8,02
